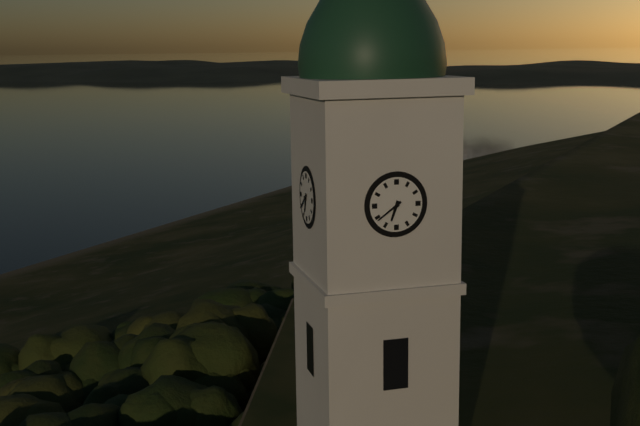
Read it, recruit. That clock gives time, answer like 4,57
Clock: 6,39
